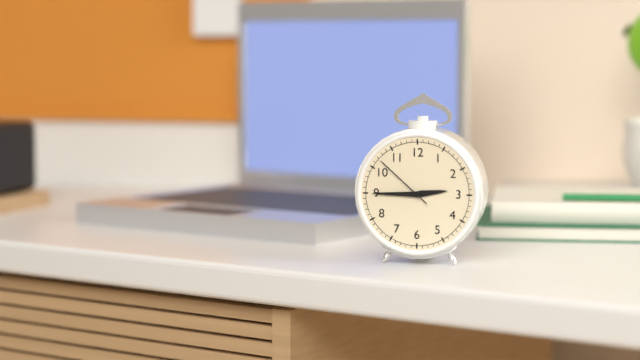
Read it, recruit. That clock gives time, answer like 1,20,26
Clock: 2,45,52
